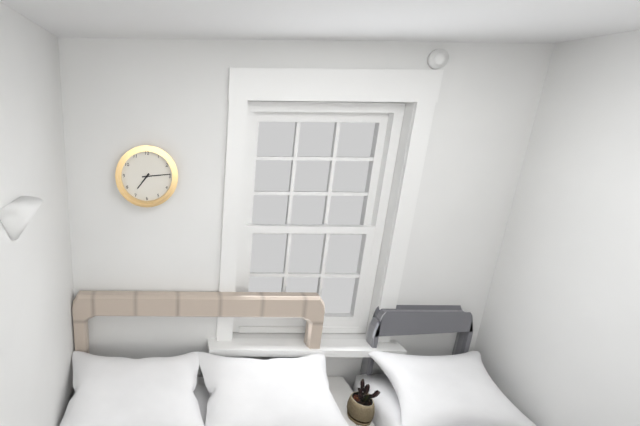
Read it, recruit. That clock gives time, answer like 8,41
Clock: 7,14
